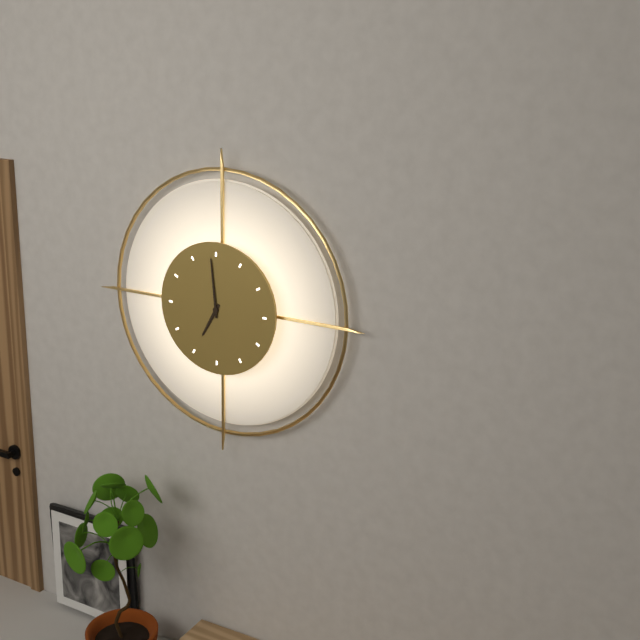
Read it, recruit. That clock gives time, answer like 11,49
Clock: 6,59
